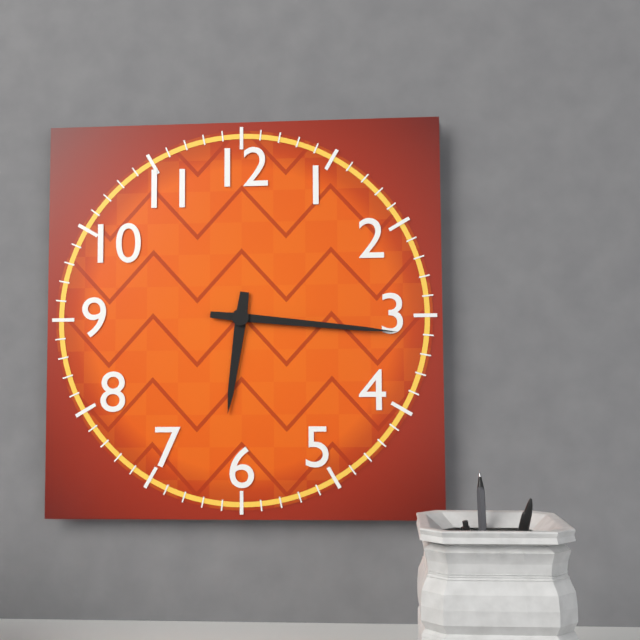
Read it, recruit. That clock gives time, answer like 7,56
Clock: 6,16
